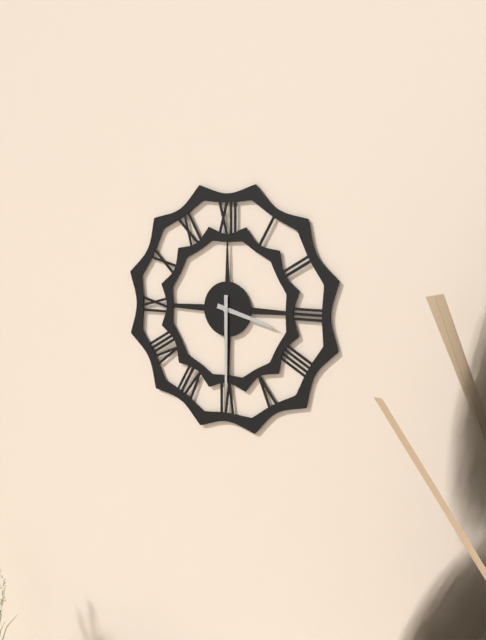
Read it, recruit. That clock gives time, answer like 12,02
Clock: 3,30
